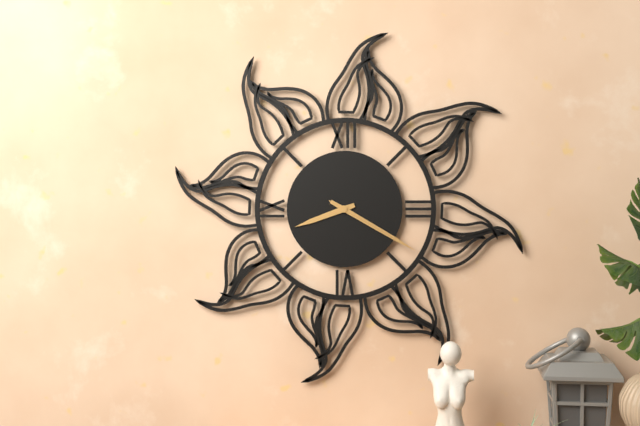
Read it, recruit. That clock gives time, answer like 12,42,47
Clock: 8,20,20
